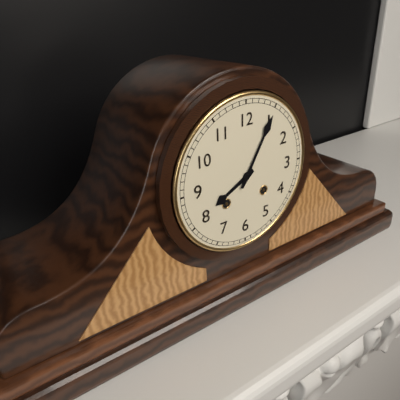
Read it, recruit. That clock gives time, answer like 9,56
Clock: 8,05
